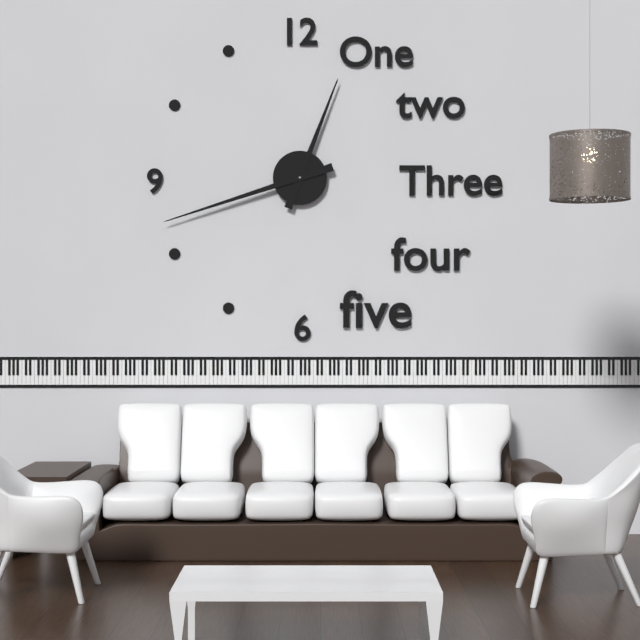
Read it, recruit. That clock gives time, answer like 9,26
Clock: 12,42
